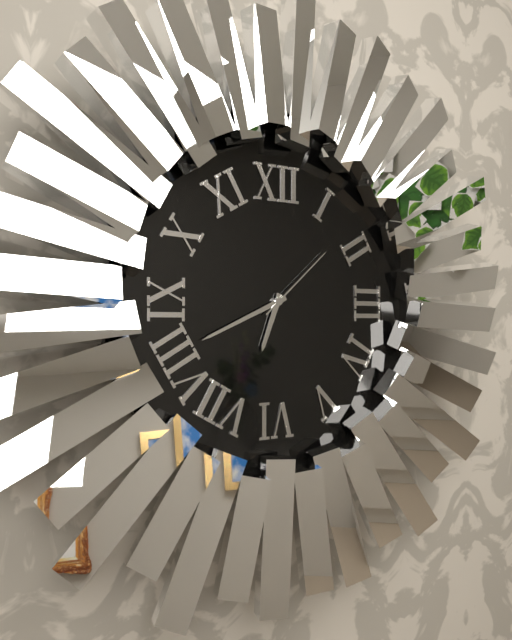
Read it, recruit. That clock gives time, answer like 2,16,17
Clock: 6,41,08
